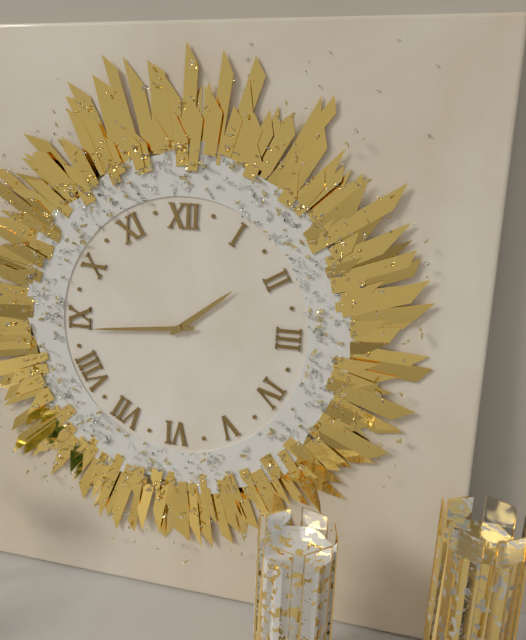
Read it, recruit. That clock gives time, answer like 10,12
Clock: 1,44
